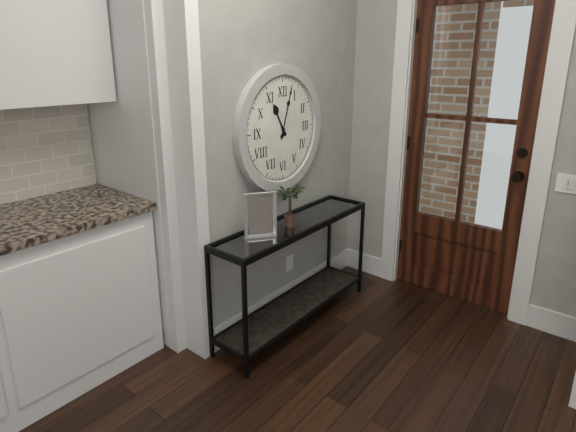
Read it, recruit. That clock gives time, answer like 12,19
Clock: 11,03
